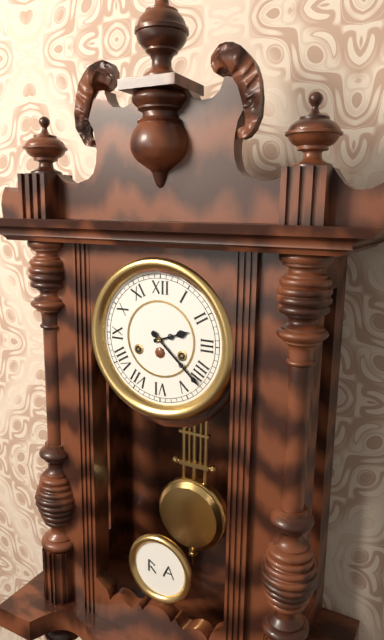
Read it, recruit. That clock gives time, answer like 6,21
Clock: 2,22
